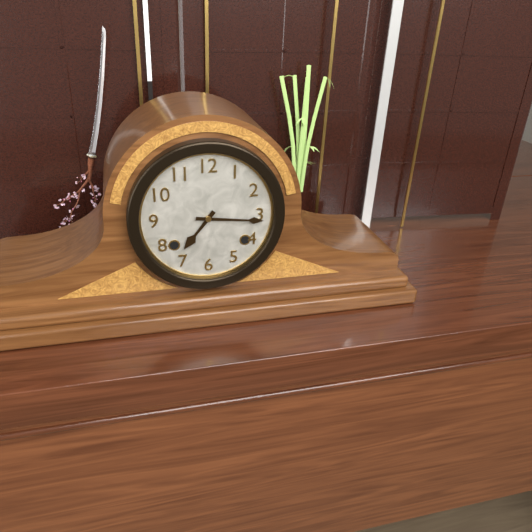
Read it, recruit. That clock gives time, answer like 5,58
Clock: 7,16
